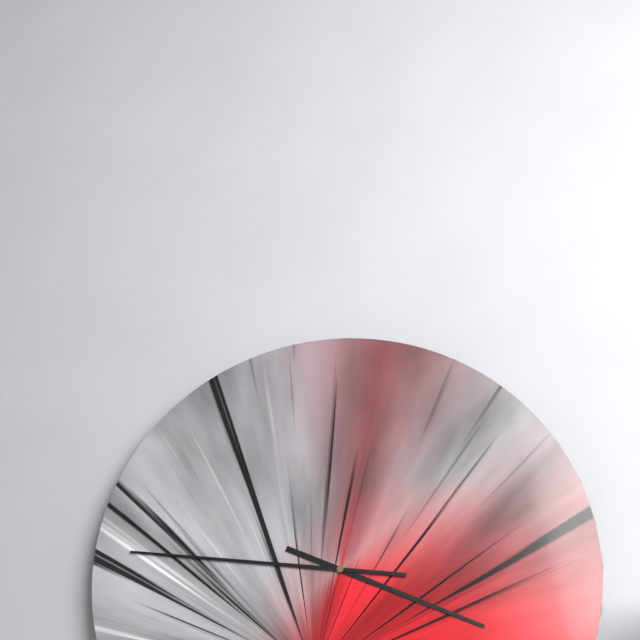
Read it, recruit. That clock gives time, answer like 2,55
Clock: 3,46
